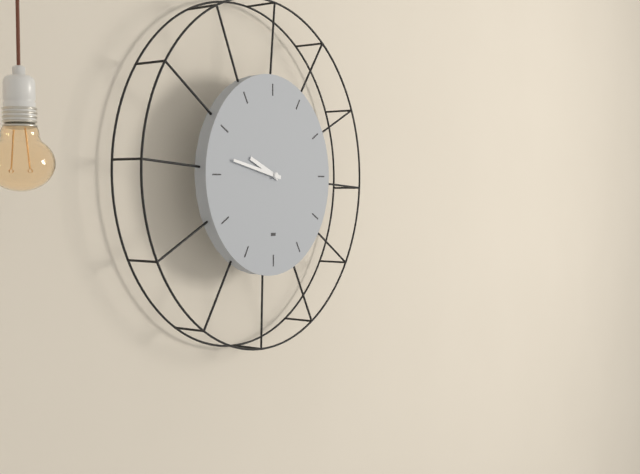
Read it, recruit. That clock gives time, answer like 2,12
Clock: 9,47
